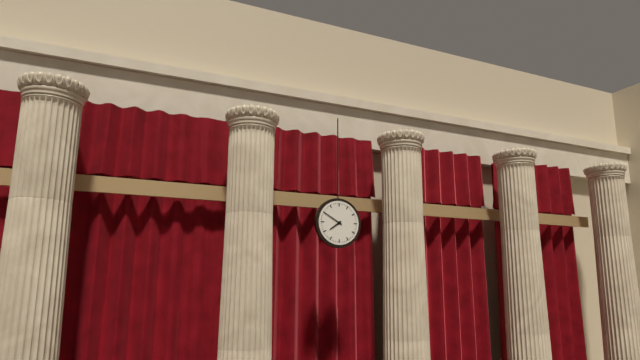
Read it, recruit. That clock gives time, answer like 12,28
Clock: 7,50
